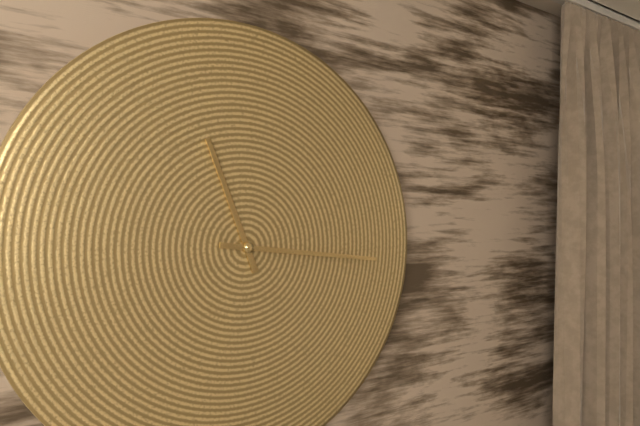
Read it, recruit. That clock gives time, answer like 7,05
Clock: 11,16
